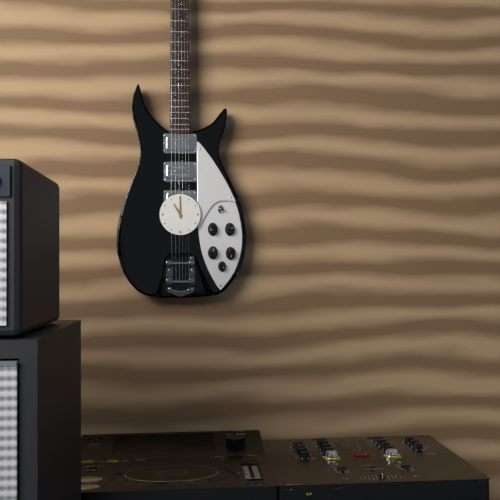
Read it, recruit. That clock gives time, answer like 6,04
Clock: 11,00
